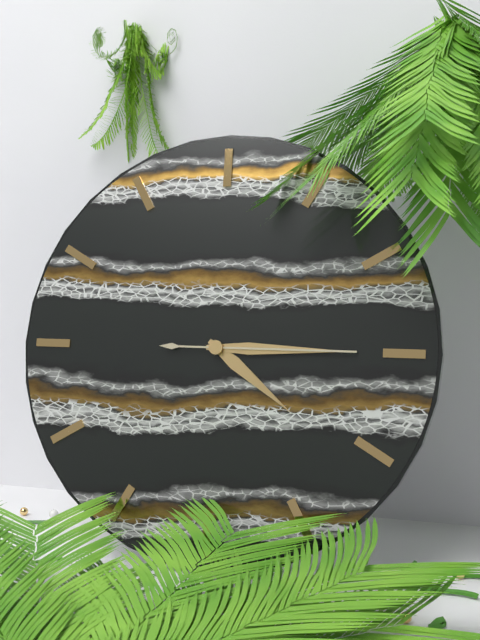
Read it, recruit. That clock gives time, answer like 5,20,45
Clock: 4,15,15
